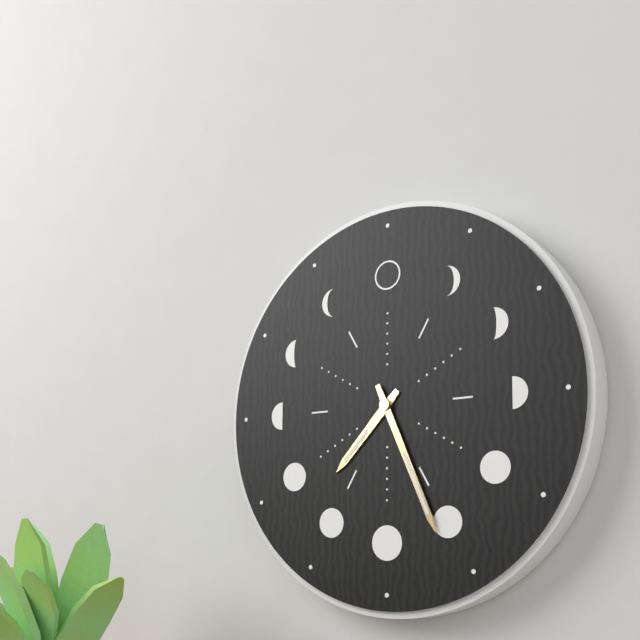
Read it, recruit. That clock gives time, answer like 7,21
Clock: 7,26
